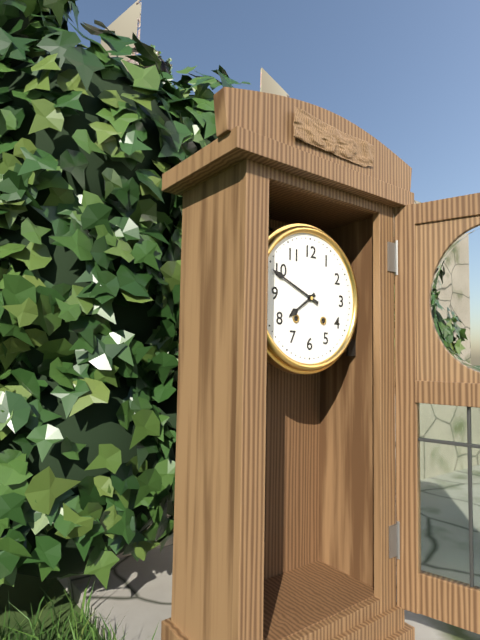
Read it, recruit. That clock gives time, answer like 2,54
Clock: 7,49
